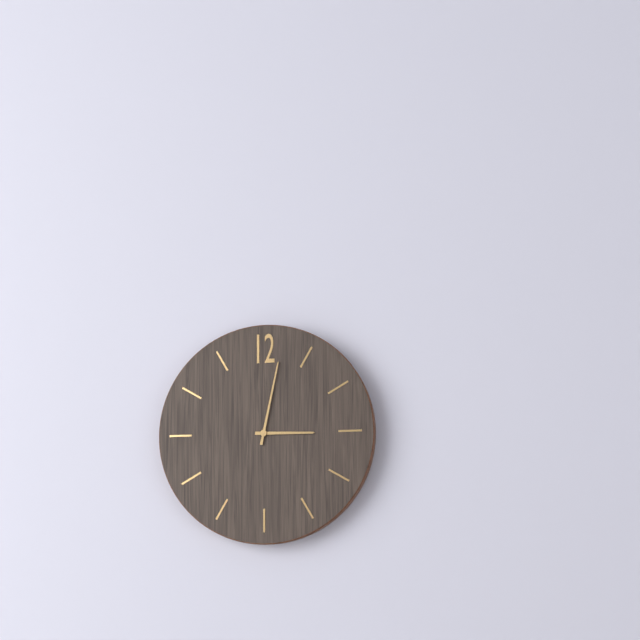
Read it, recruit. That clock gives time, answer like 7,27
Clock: 3,02
